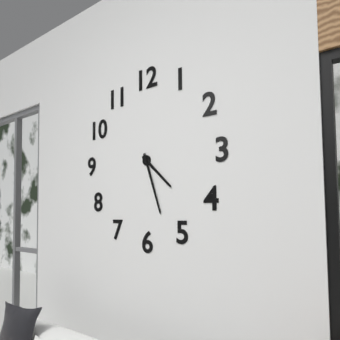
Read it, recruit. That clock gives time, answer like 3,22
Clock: 4,27
